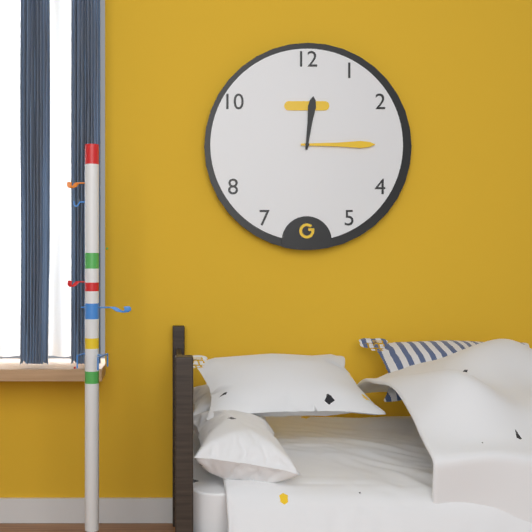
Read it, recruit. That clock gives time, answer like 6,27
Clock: 12,15
